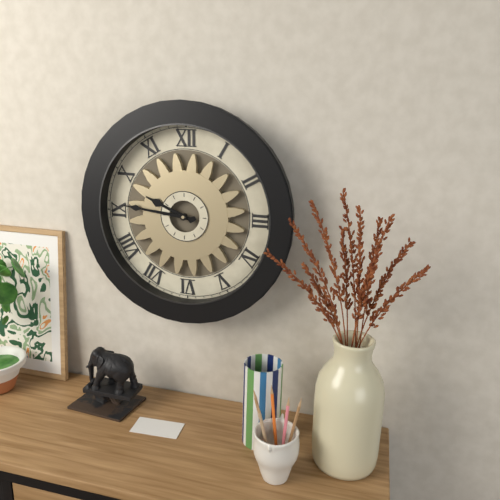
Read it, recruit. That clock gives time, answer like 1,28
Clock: 9,46
